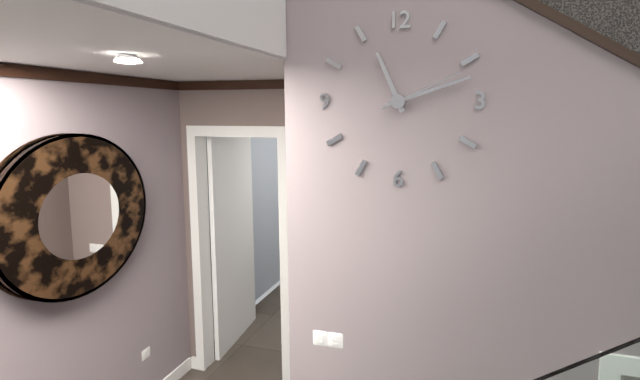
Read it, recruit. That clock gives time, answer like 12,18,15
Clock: 11,12,11
